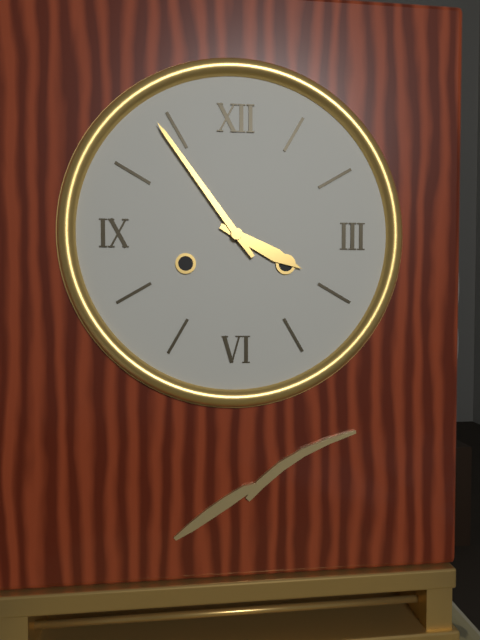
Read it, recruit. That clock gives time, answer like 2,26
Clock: 3,54
